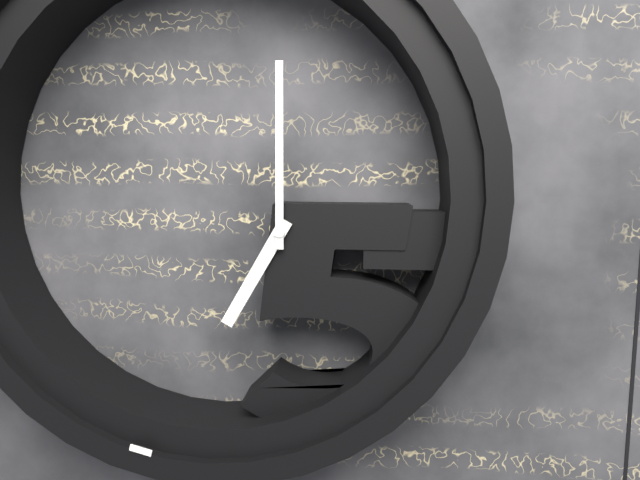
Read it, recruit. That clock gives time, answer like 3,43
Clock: 7,00
